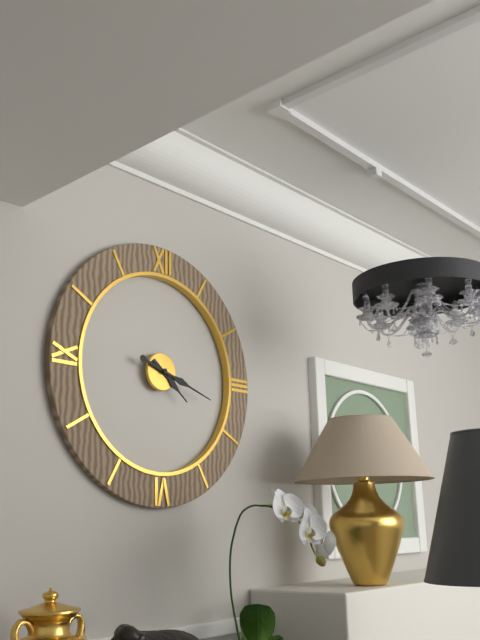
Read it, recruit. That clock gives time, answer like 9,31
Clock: 4,18
